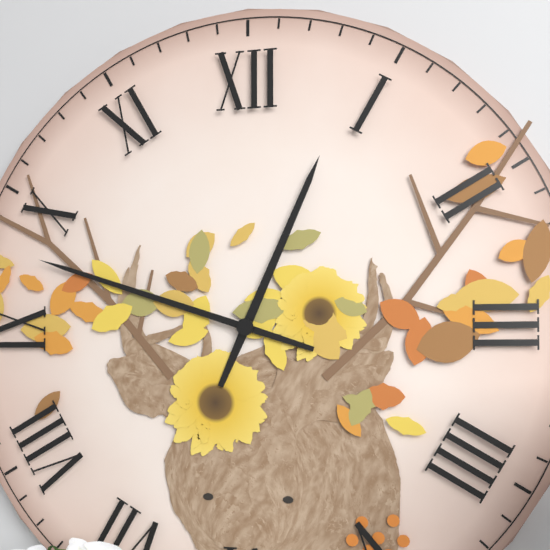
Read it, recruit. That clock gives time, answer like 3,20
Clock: 12,48
